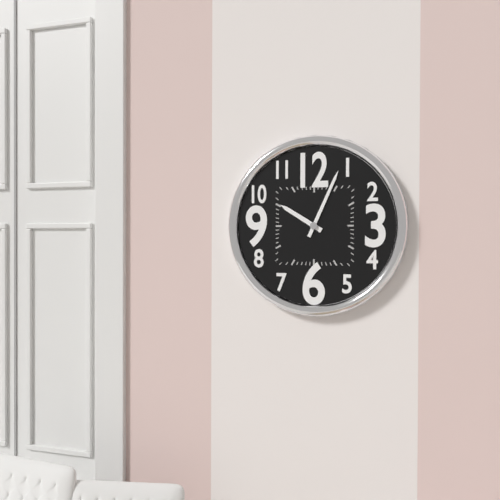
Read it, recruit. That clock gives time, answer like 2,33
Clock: 10,04
